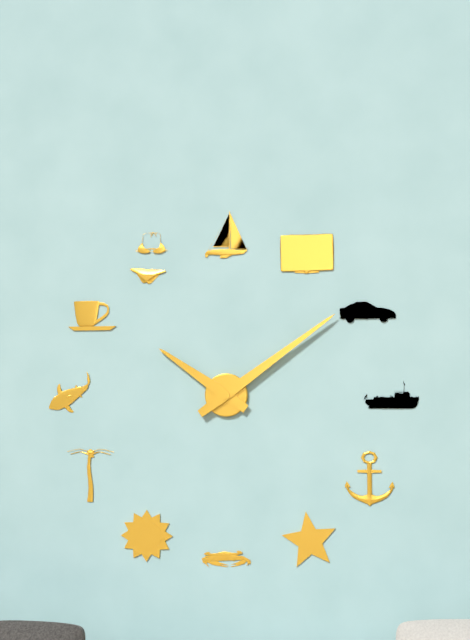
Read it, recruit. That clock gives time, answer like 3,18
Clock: 10,09
